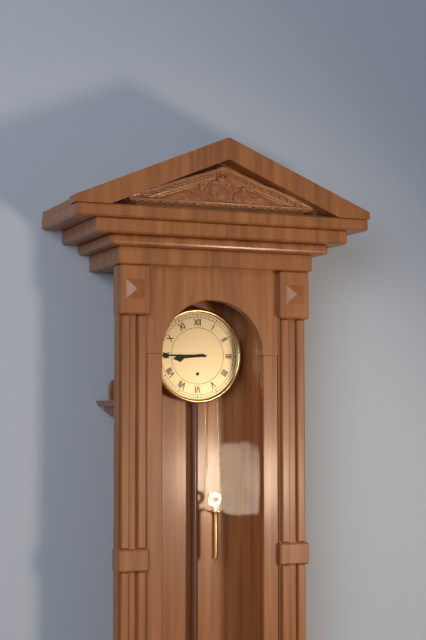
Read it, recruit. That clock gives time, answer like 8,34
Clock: 8,45
